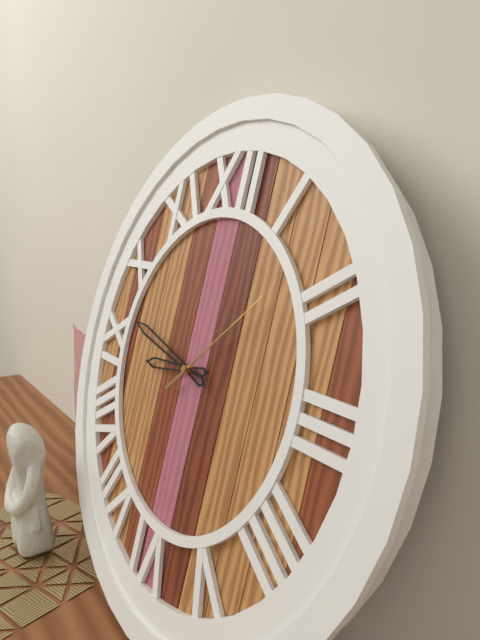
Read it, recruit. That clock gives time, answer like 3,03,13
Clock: 8,47,08
